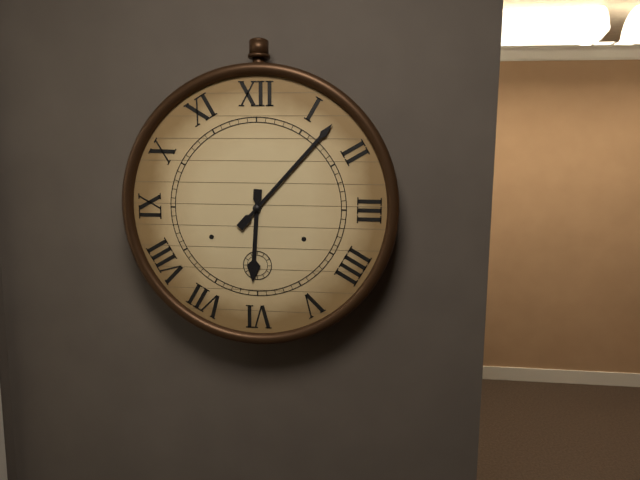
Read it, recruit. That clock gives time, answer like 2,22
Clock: 6,07
